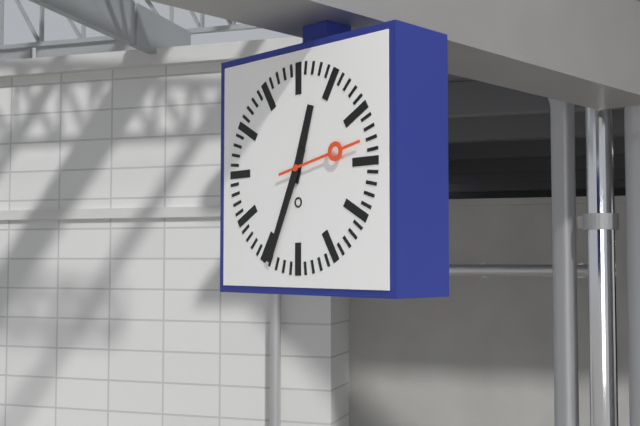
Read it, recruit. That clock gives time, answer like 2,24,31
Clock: 12,34,13
